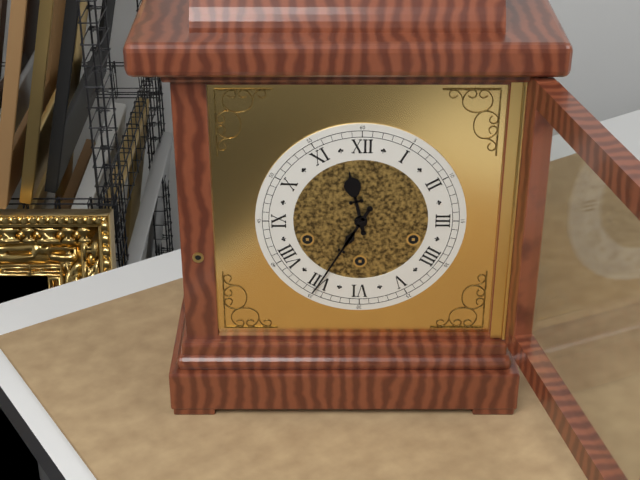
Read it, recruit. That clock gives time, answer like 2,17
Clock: 11,35
